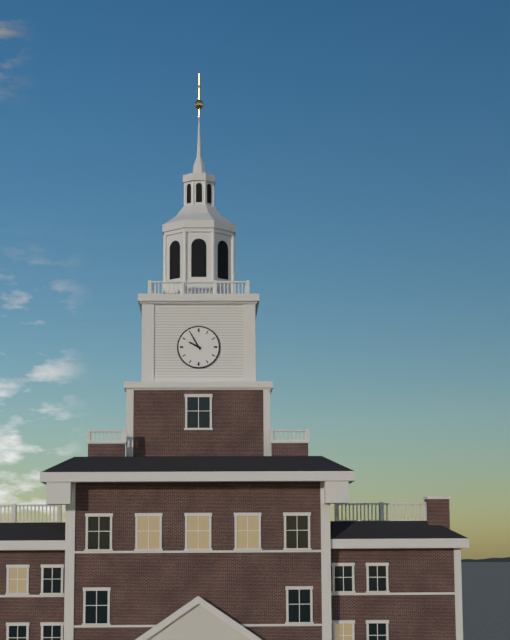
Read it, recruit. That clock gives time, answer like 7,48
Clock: 9,55
